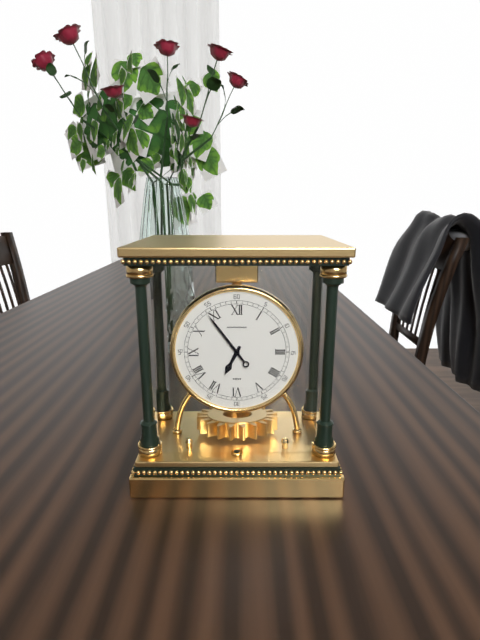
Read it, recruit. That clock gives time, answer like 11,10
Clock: 6,54
